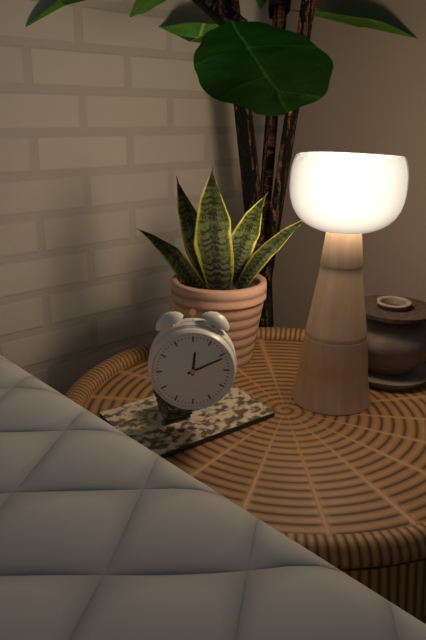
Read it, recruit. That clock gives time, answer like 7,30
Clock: 12,11
